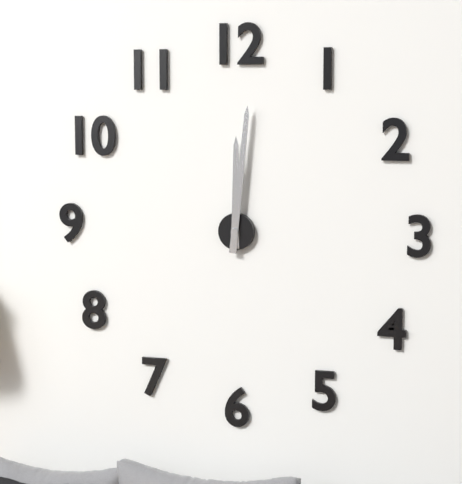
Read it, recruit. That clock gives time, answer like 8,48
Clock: 12,01
